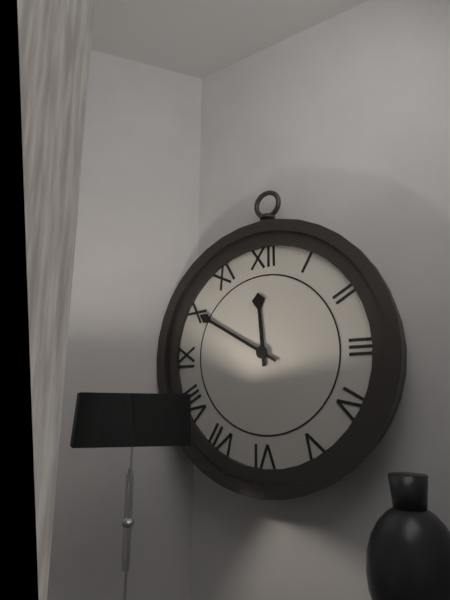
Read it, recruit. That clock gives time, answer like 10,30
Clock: 11,50
